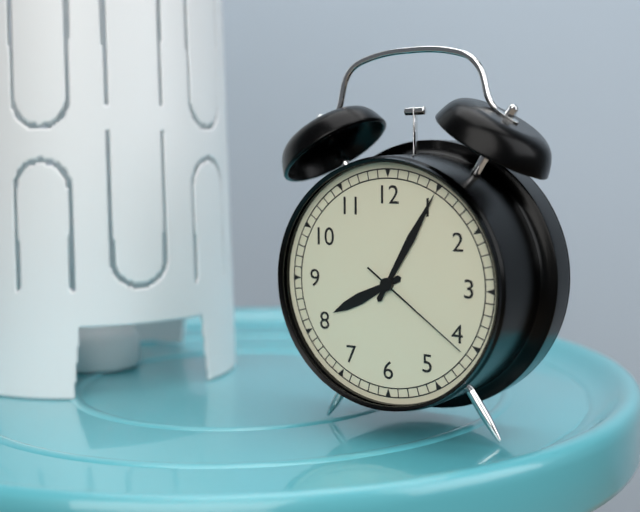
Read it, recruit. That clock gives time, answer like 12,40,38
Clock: 8,05,21
